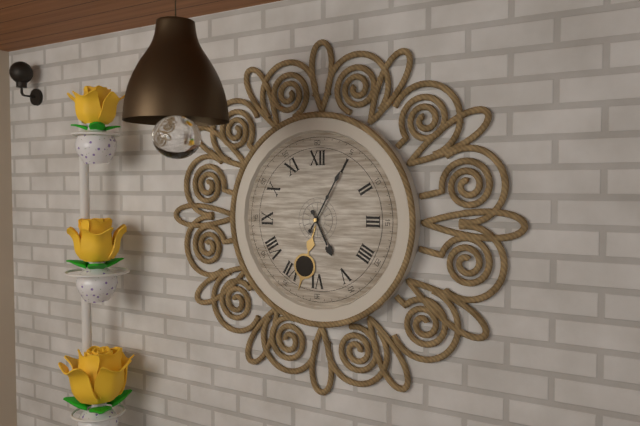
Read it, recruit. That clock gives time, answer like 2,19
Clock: 5,05
